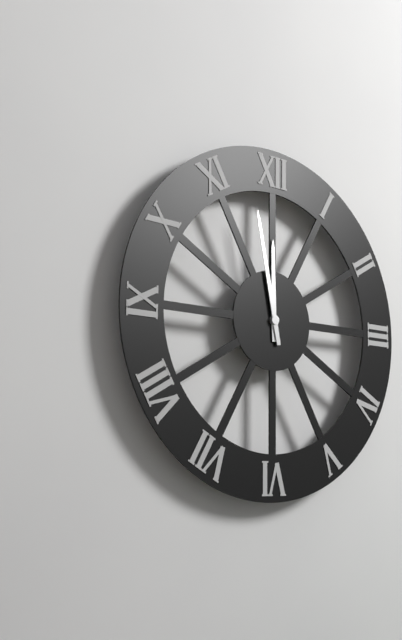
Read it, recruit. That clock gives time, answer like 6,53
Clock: 11,58
